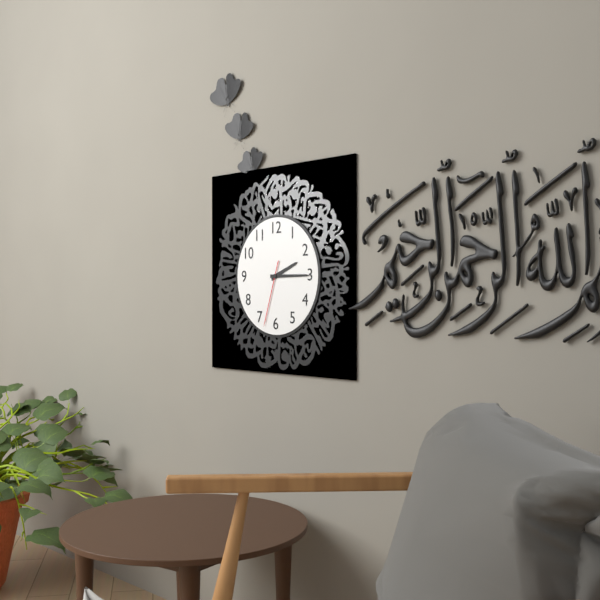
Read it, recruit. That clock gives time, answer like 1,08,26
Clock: 2,15,33
